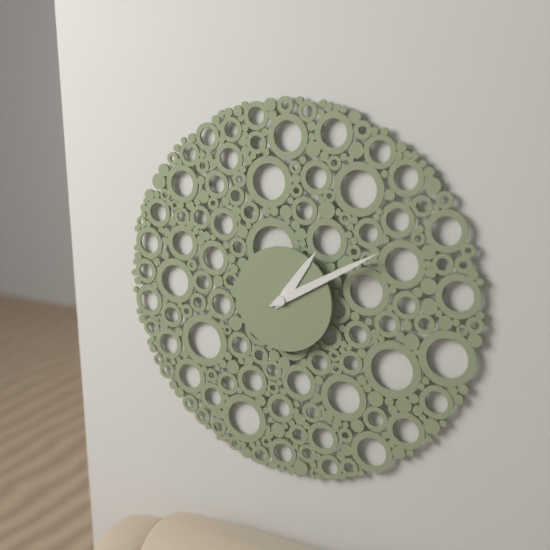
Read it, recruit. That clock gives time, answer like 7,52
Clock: 1,10
